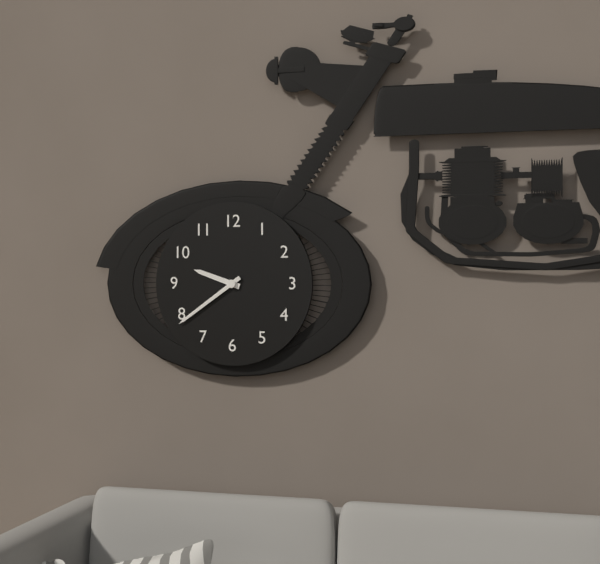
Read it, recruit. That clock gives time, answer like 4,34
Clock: 9,39
